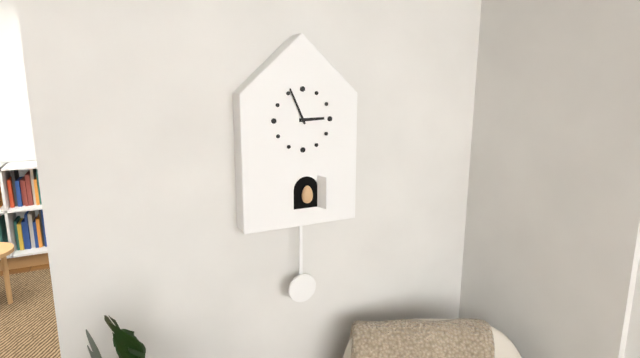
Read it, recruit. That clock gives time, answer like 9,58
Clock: 2,56
